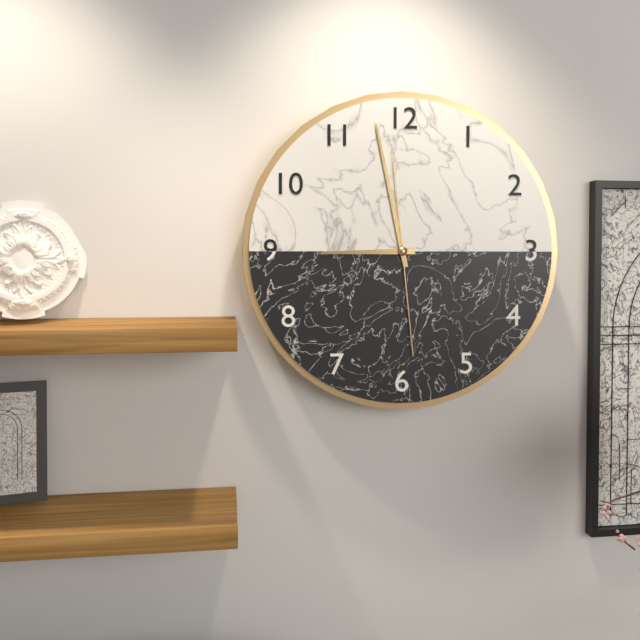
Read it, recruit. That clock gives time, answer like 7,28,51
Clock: 8,58,29
